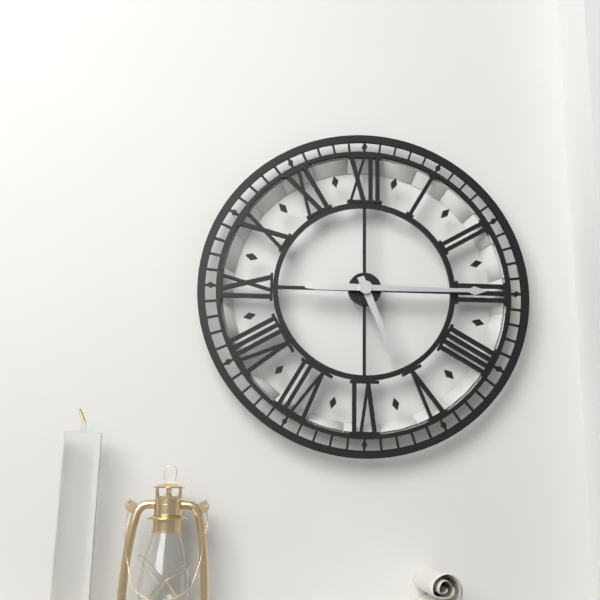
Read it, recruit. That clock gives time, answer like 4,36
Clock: 5,15
